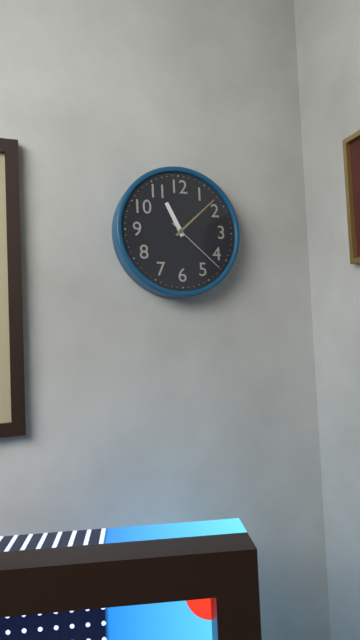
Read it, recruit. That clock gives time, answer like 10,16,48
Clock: 11,08,22
